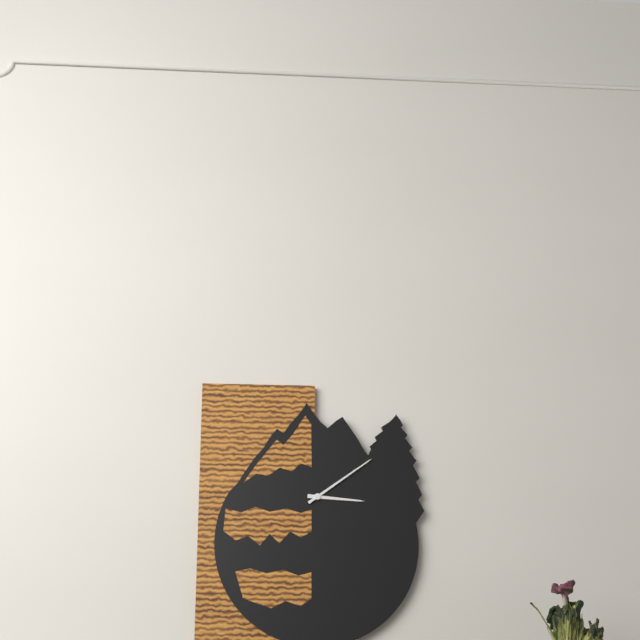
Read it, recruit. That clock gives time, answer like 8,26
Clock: 3,09
